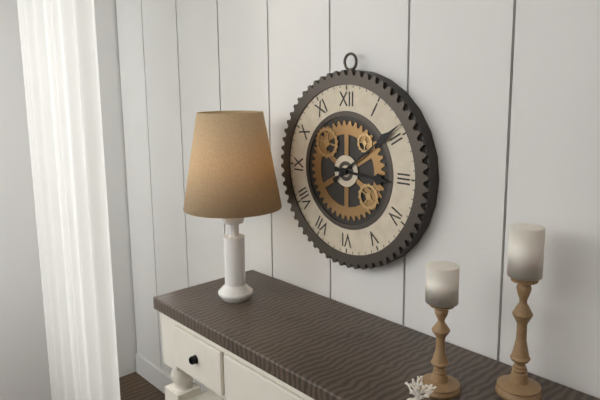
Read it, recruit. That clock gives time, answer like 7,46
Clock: 3,09
